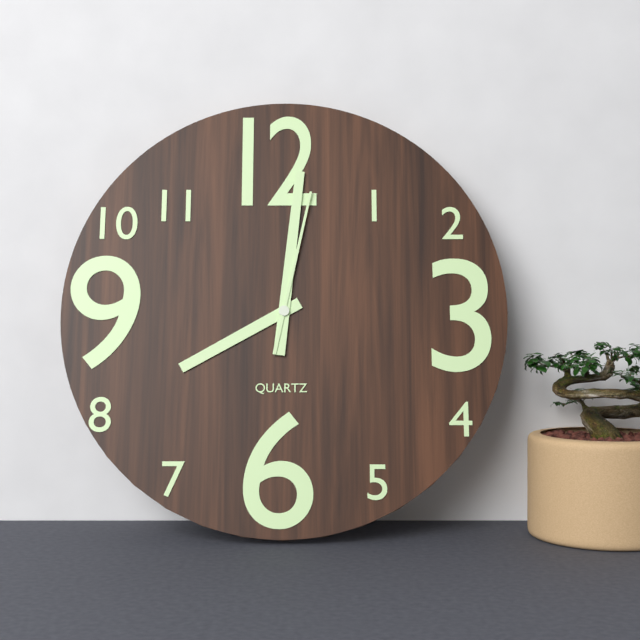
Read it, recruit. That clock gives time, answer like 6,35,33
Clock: 8,01,02
